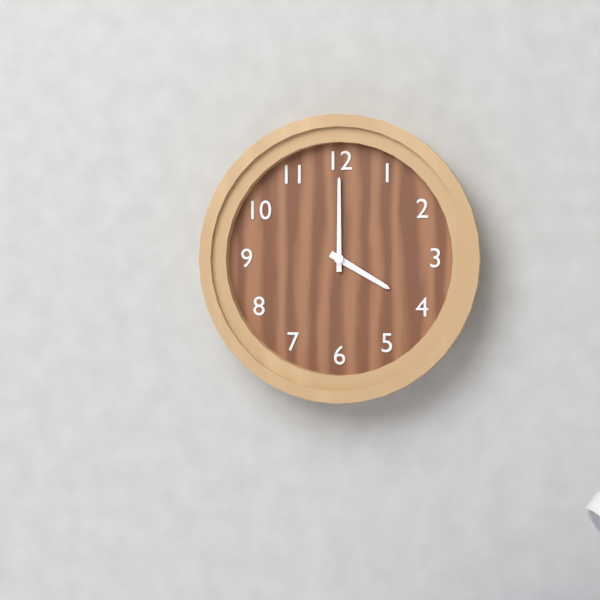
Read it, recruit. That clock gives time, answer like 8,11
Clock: 4,00
